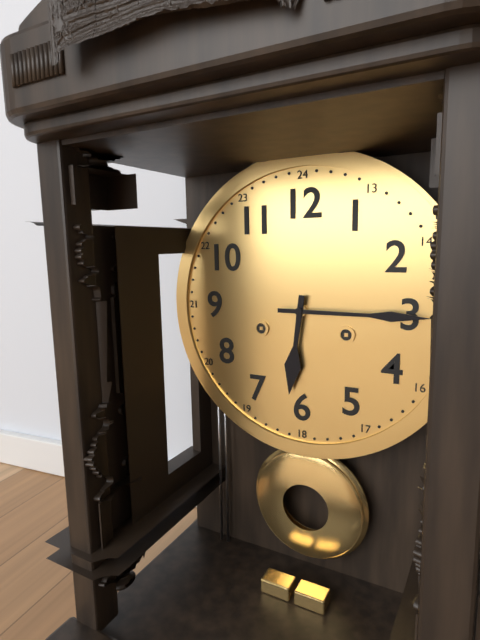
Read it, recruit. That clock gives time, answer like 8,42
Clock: 6,15
